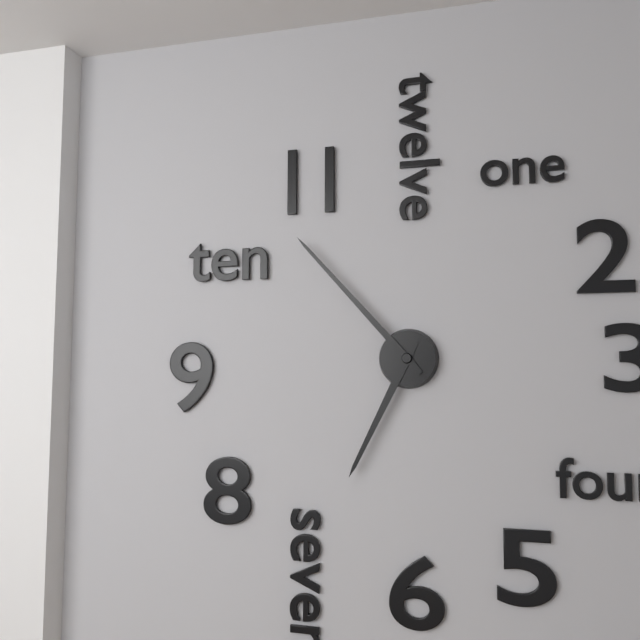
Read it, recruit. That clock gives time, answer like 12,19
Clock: 6,53
